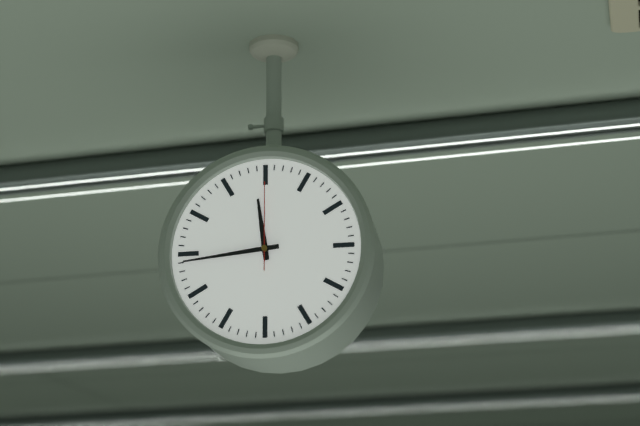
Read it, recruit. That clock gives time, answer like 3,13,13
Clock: 11,44,00
